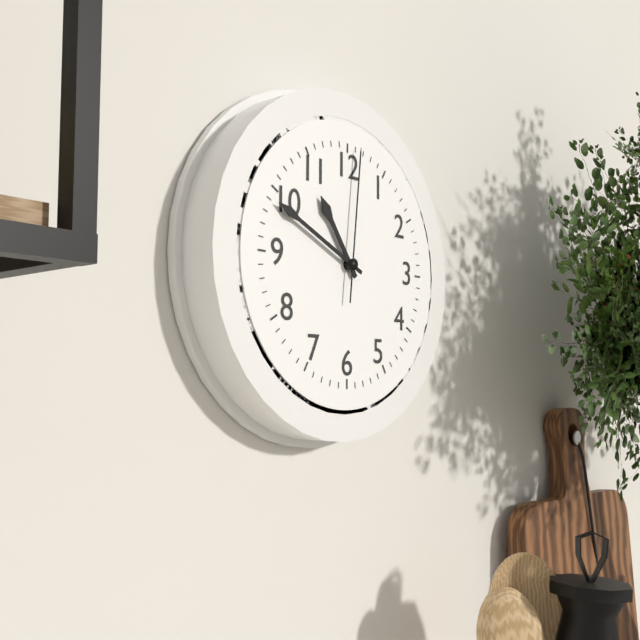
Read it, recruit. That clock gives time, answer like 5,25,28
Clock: 10,49,01
